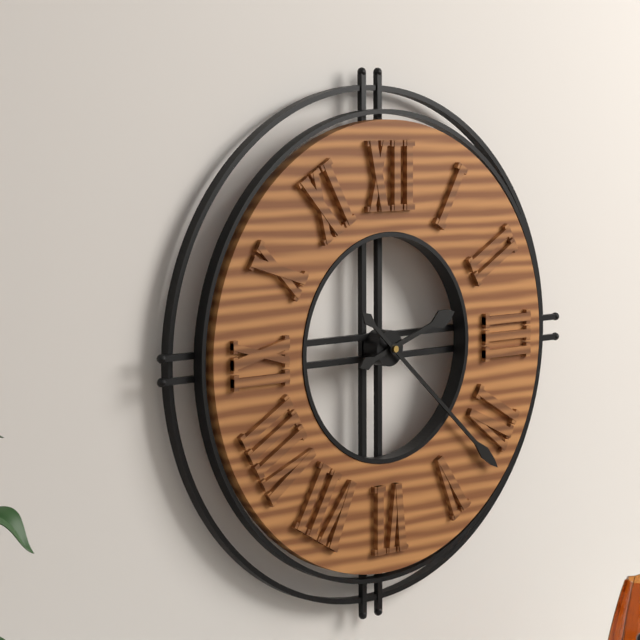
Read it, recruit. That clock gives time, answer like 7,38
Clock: 2,22
